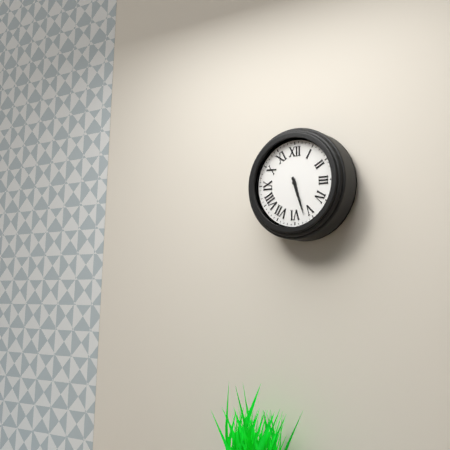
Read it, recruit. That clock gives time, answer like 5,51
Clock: 5,27
